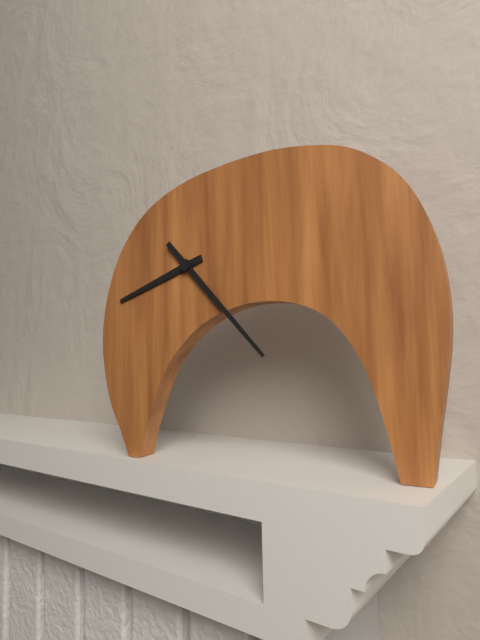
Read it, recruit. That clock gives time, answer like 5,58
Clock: 8,23
